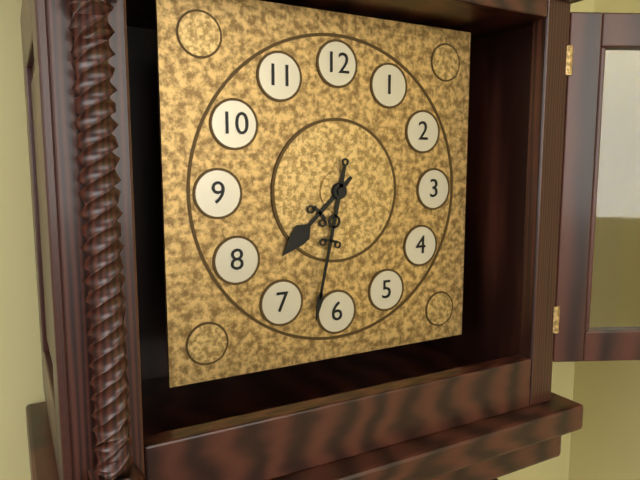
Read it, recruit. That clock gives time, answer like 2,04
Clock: 7,32
